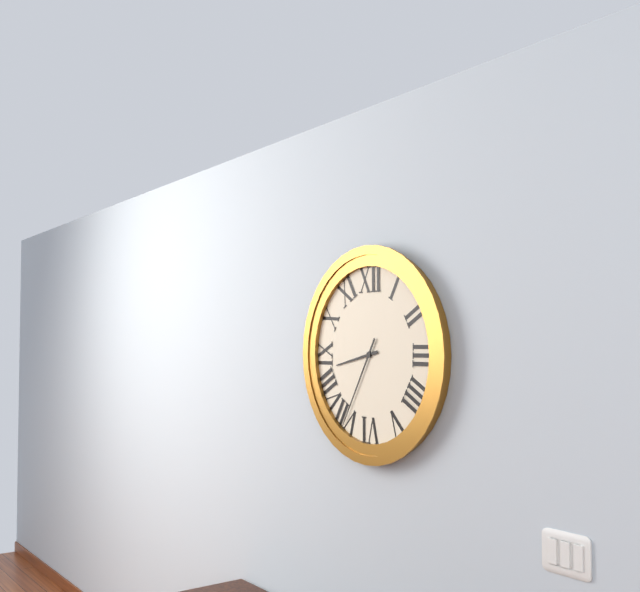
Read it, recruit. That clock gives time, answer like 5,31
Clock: 8,35
